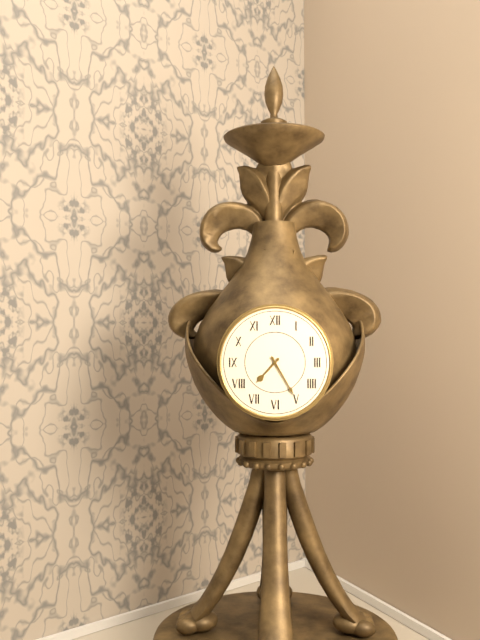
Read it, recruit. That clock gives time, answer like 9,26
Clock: 7,25
